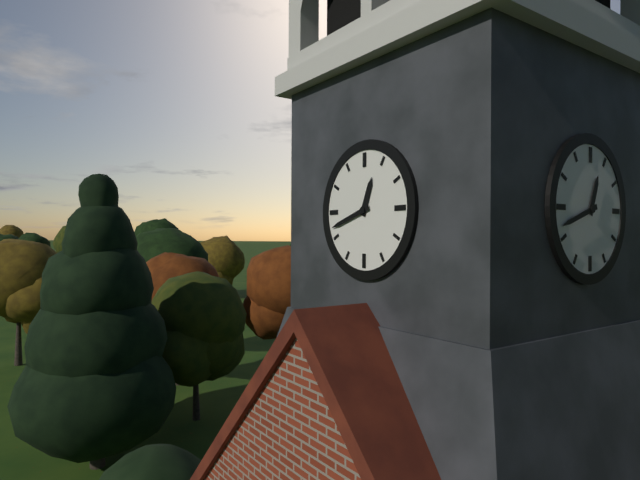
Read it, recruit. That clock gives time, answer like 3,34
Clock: 12,42
